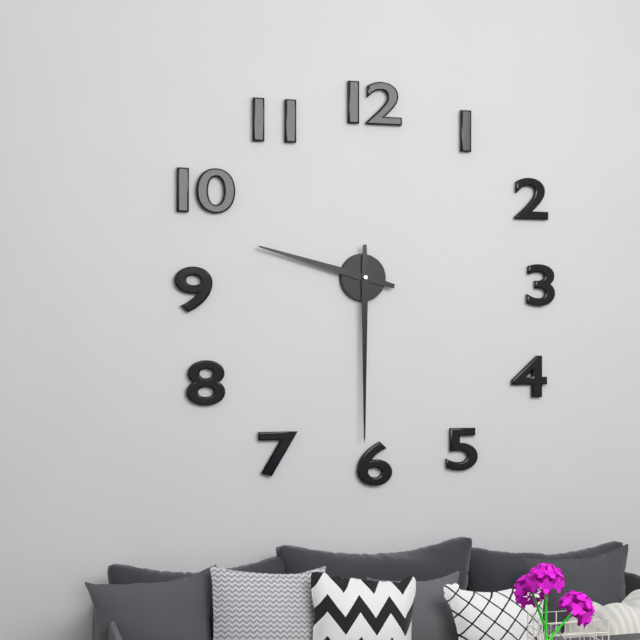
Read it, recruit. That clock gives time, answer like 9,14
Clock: 9,30
